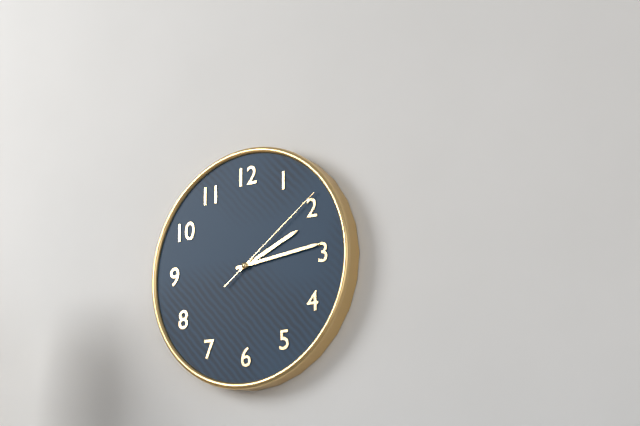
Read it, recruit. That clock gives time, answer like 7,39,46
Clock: 2,14,09
